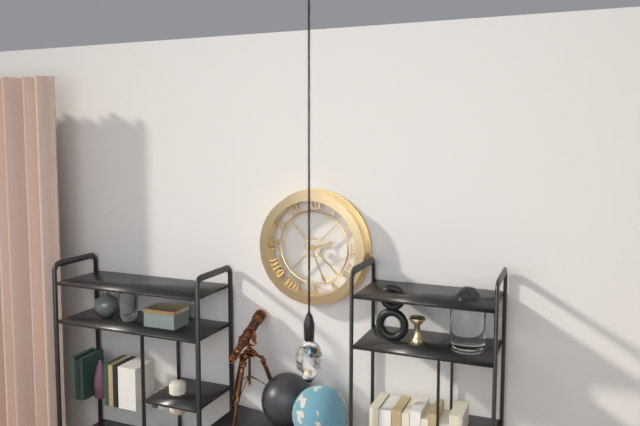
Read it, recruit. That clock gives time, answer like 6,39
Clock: 2,26
